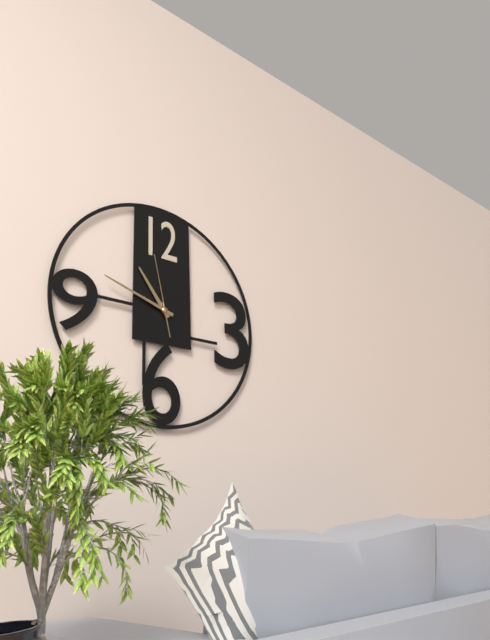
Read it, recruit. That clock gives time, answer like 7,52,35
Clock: 10,48,58
